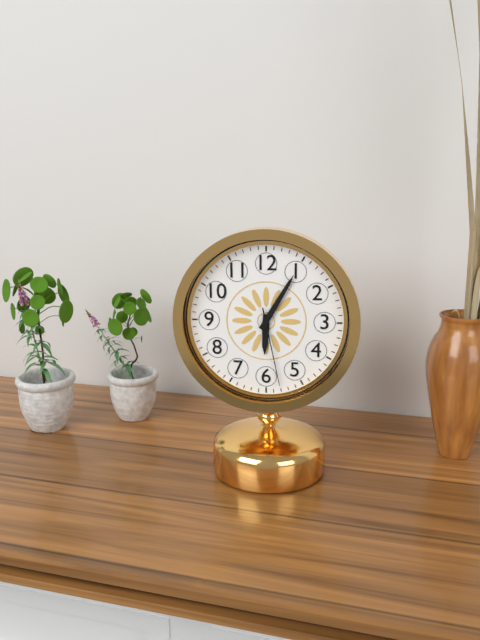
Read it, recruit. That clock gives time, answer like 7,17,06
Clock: 6,05,28
